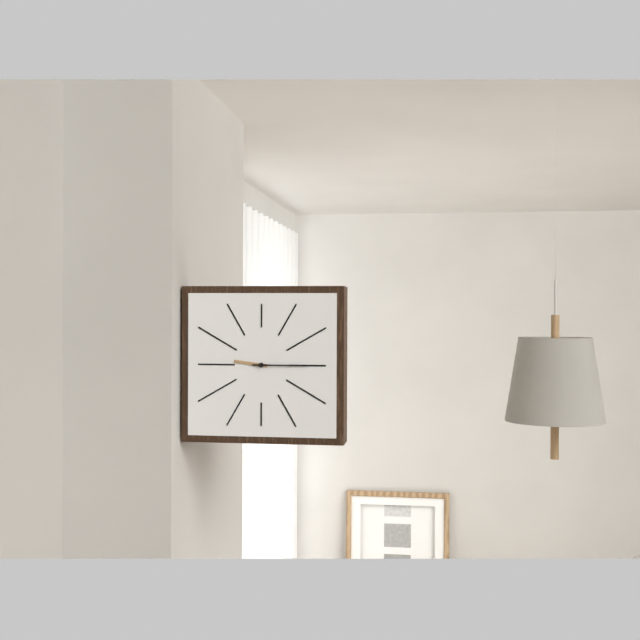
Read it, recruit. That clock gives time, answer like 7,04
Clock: 9,15
